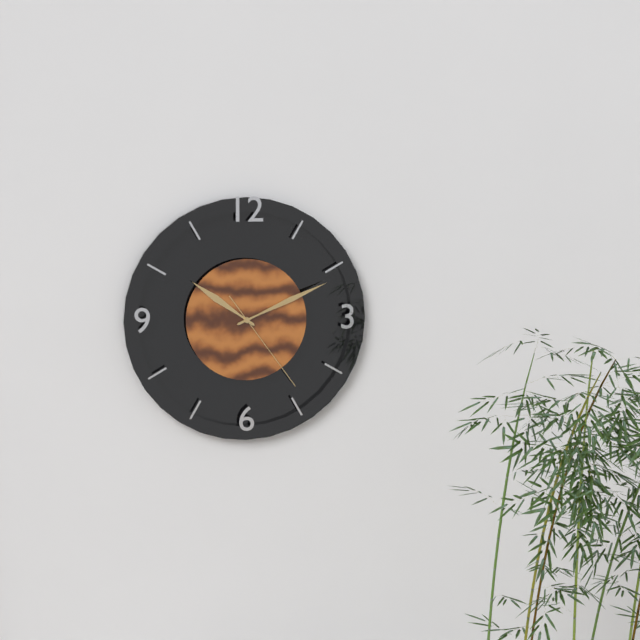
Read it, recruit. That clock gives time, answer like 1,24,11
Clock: 10,11,24
